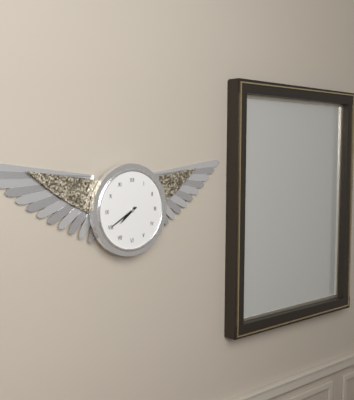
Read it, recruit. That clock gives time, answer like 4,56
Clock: 7,40
